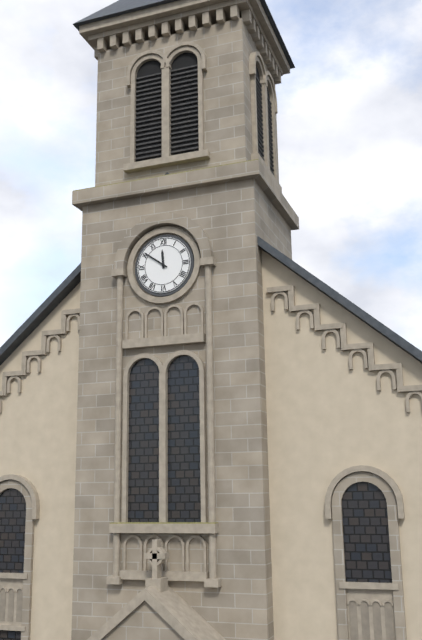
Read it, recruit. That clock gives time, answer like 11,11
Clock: 11,51
